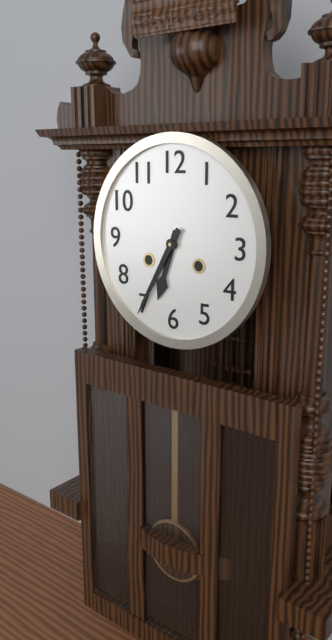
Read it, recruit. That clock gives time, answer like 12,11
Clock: 6,35
